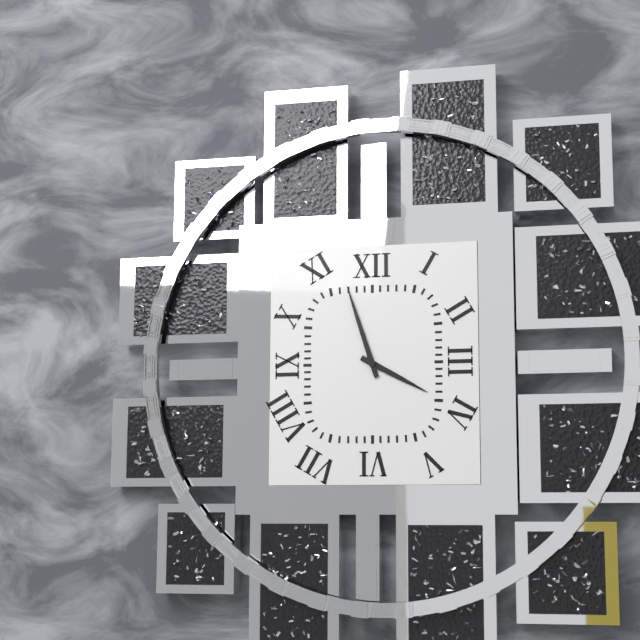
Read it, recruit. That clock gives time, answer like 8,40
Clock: 3,57
